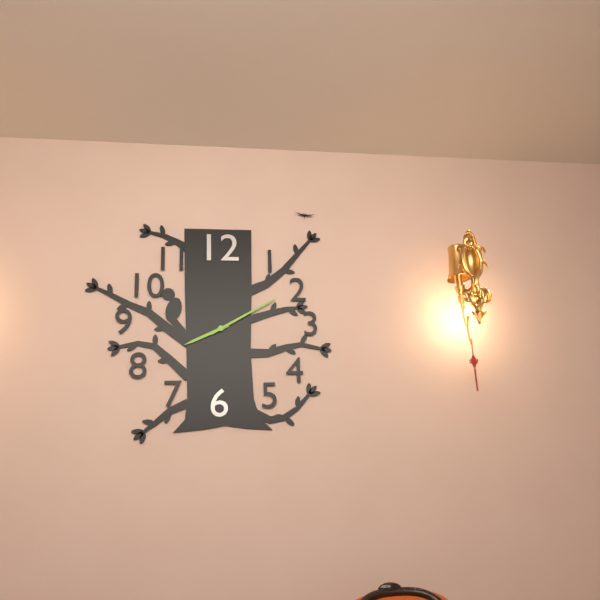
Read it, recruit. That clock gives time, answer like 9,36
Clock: 8,10
